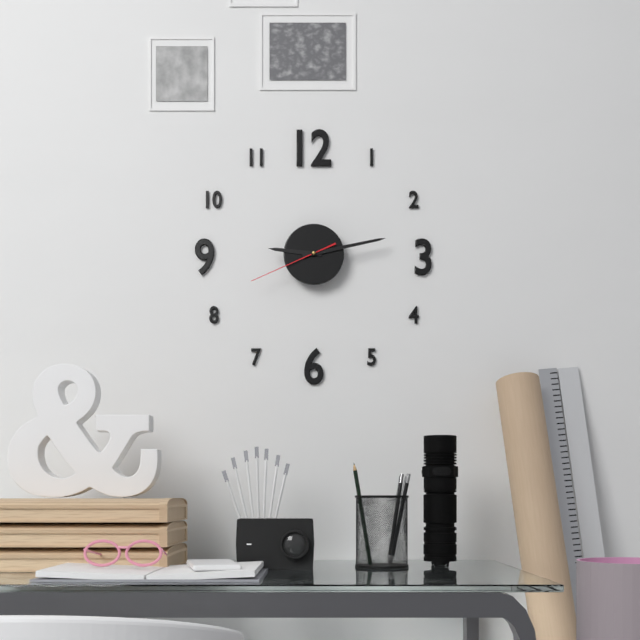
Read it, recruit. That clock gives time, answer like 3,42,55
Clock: 9,13,41
